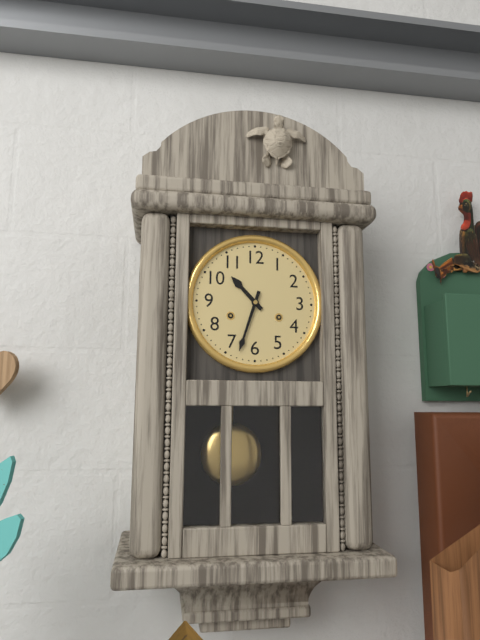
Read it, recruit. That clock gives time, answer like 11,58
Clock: 10,33
